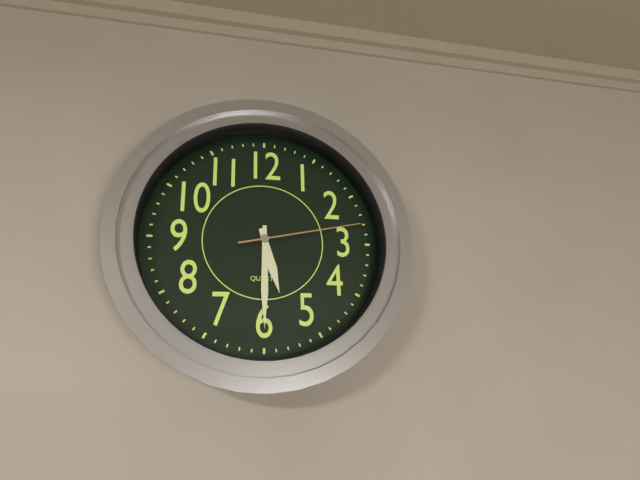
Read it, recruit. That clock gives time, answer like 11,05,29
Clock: 5,30,13
